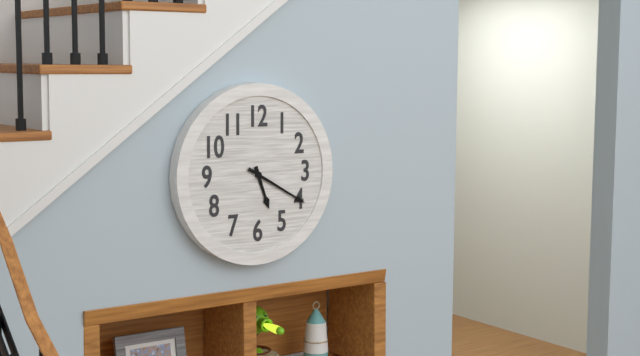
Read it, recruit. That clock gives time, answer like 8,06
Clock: 5,20
